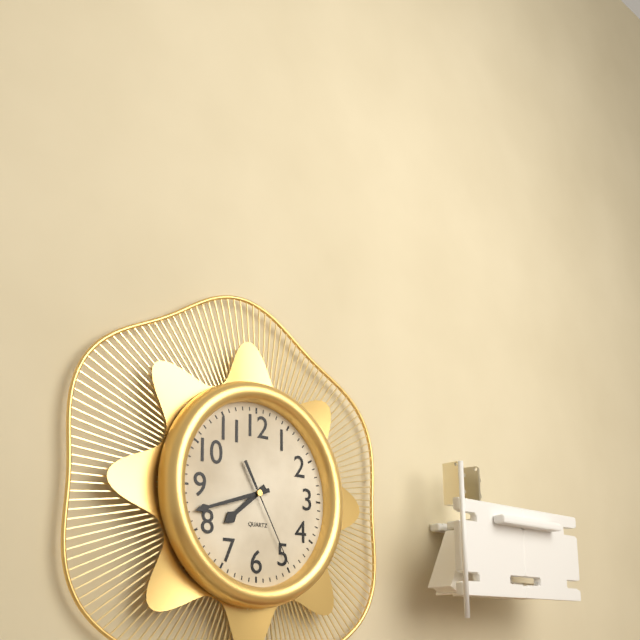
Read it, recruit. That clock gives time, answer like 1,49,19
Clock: 7,42,25
